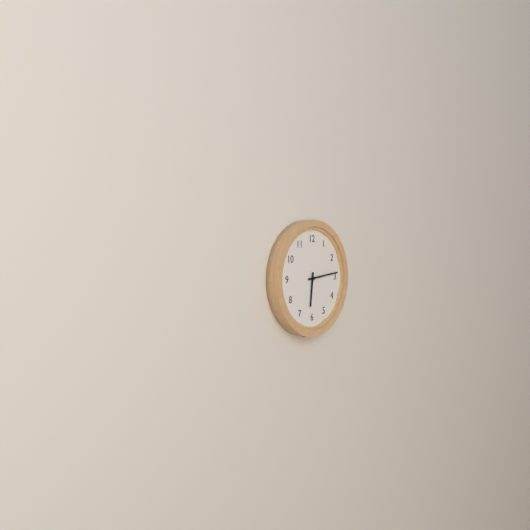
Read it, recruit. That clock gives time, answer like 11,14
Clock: 6,14
